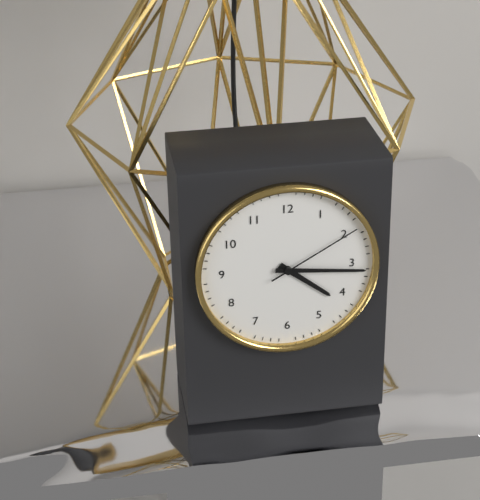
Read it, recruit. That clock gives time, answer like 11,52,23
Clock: 4,16,10
